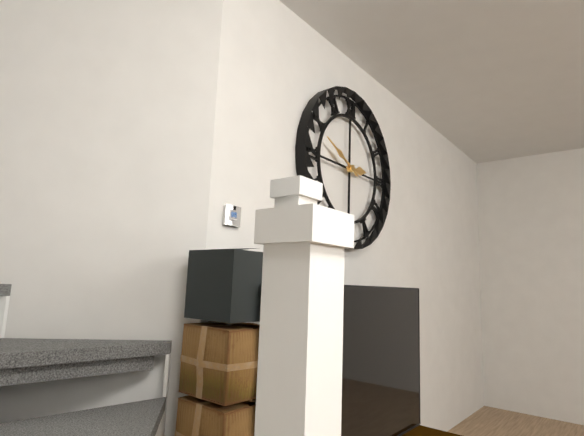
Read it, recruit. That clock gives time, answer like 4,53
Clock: 2,49
